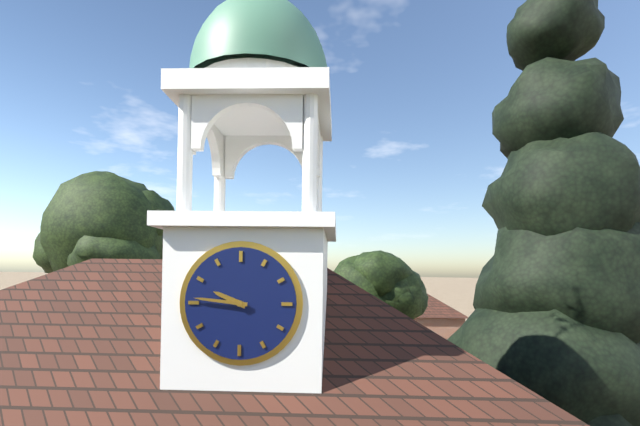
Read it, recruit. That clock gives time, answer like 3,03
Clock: 9,46
